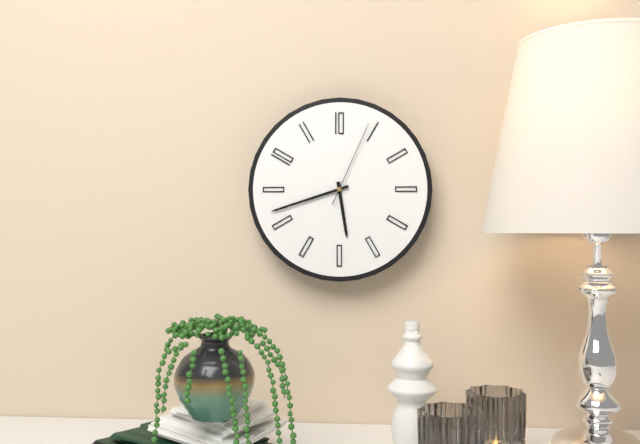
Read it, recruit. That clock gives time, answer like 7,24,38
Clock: 5,42,04
